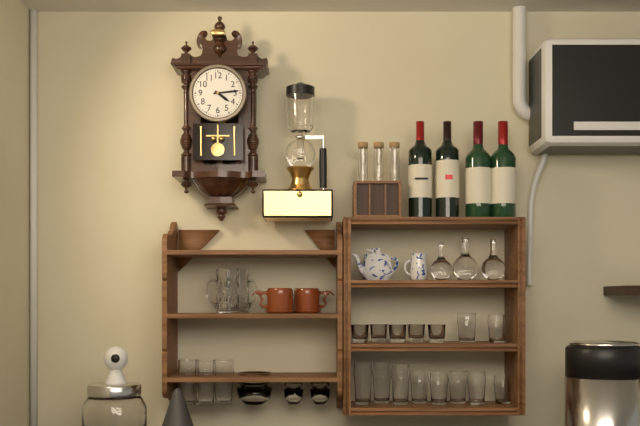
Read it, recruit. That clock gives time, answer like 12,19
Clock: 4,14
